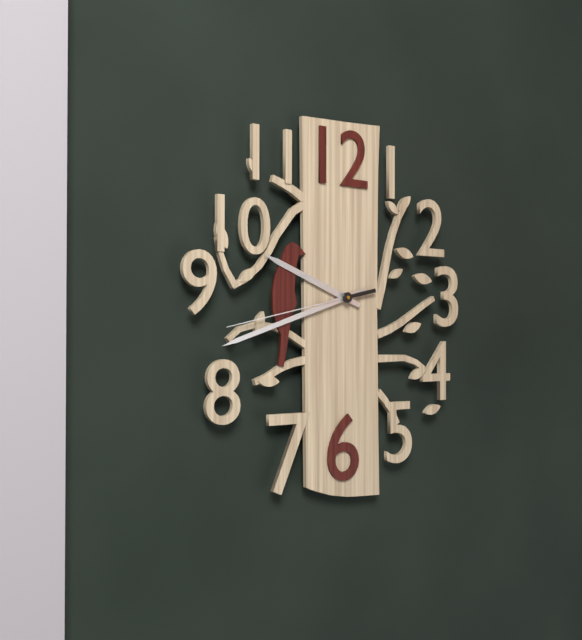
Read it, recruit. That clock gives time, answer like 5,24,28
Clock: 9,42,43
